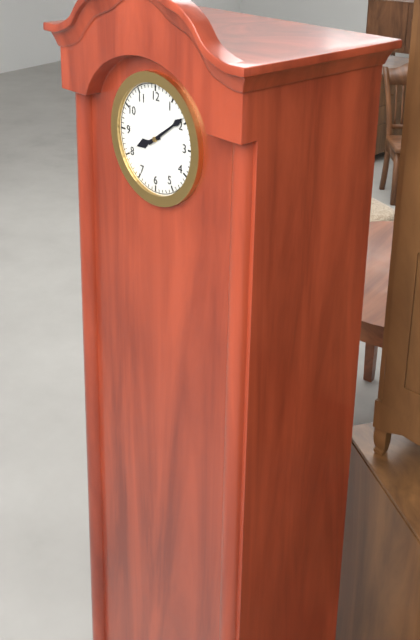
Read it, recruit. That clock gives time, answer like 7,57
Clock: 8,09
